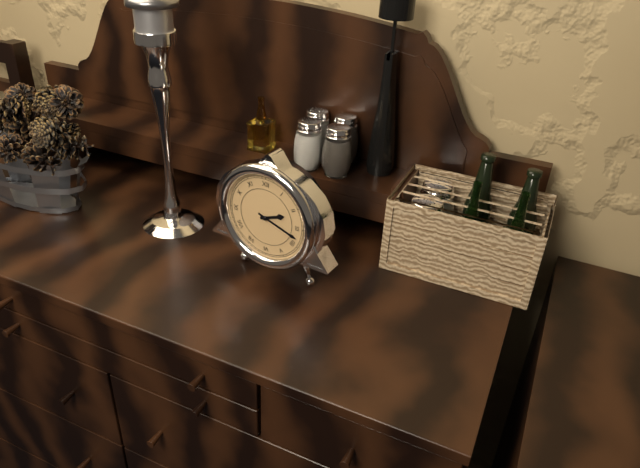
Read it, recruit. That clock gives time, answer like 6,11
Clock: 2,18
